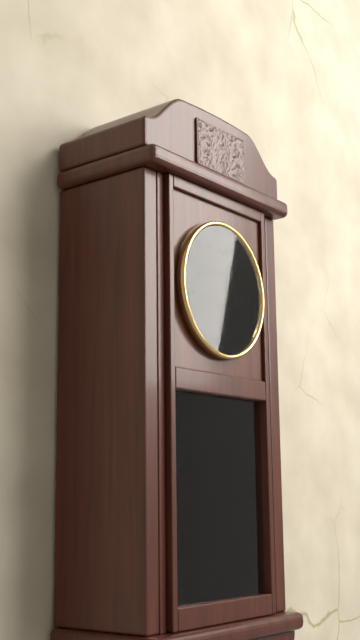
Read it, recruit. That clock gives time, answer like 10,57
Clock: 7,00
